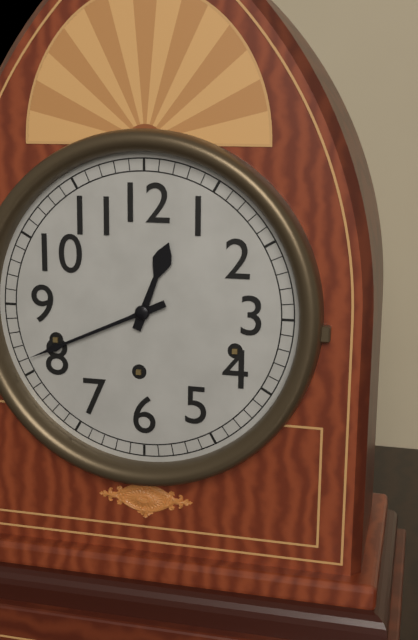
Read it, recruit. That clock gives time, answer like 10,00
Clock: 12,41
